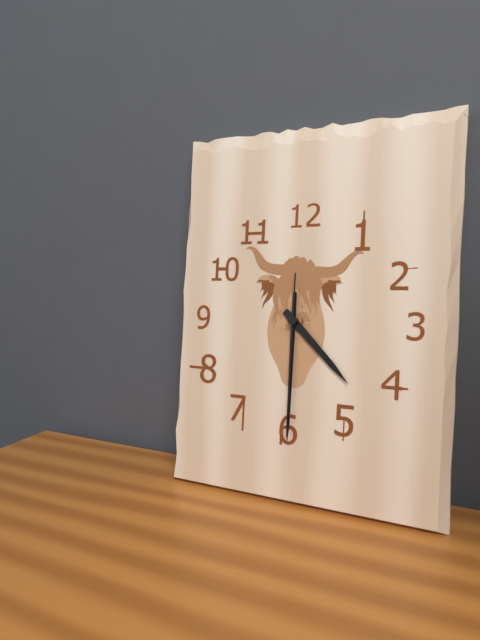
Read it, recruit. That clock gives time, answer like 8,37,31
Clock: 4,30,30
